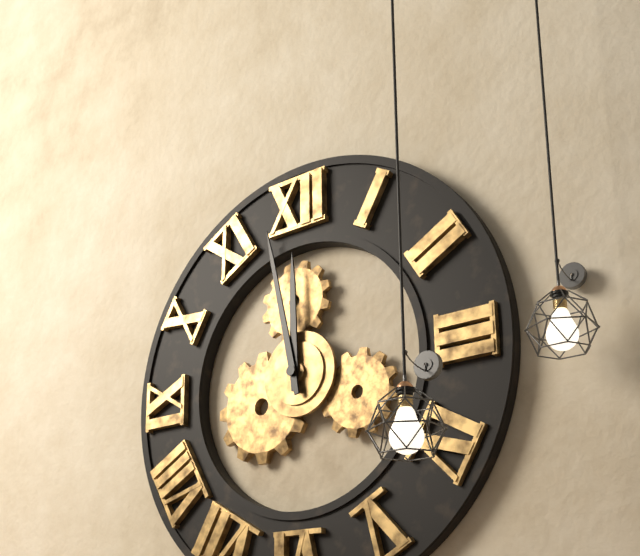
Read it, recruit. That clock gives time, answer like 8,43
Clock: 11,58
